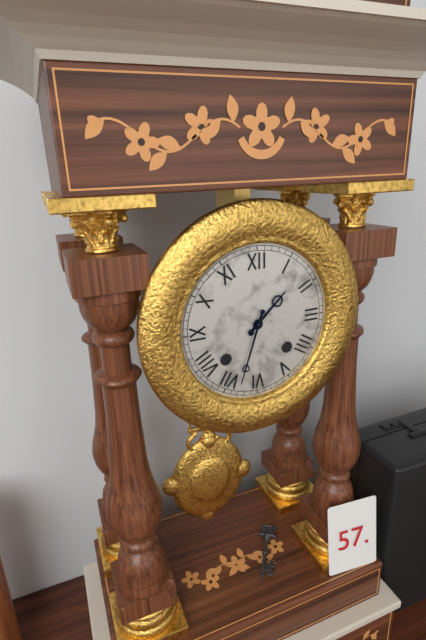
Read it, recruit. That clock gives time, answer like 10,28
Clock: 1,33
